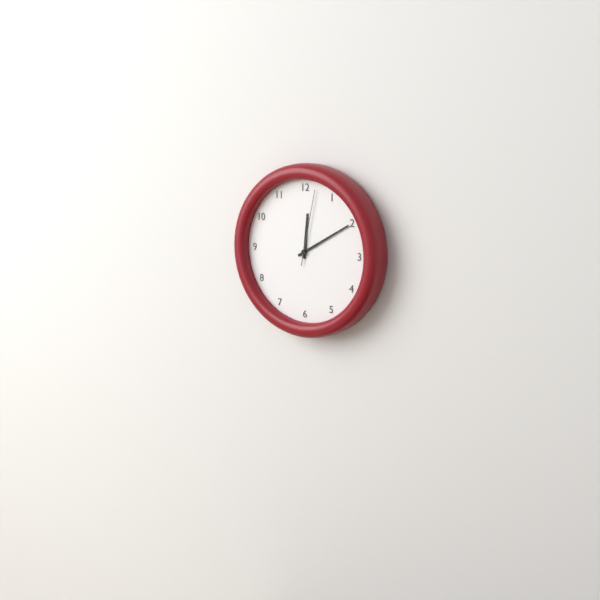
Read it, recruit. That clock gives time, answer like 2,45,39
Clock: 12,10,02
